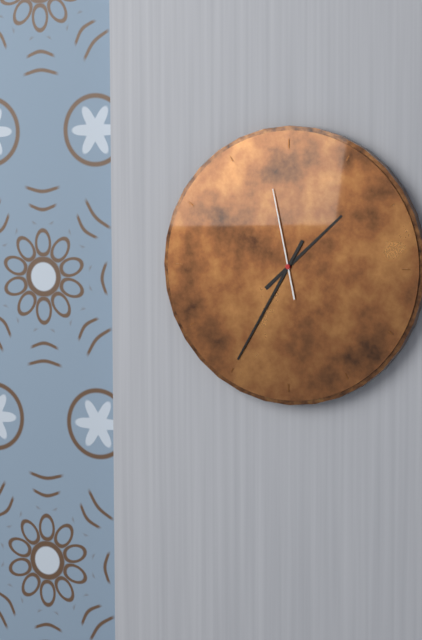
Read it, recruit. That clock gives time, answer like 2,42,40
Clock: 1,35,58
